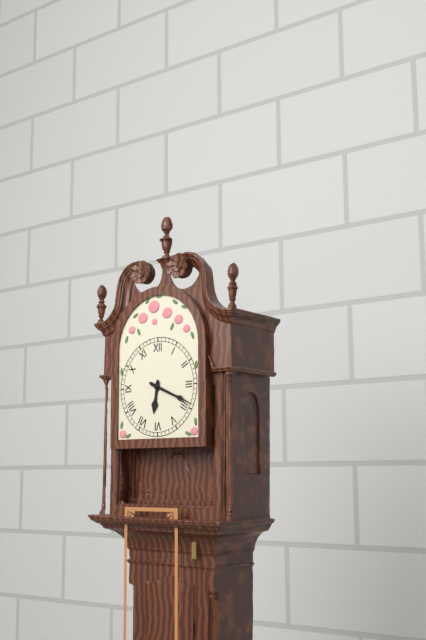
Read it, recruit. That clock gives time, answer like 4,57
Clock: 6,19
